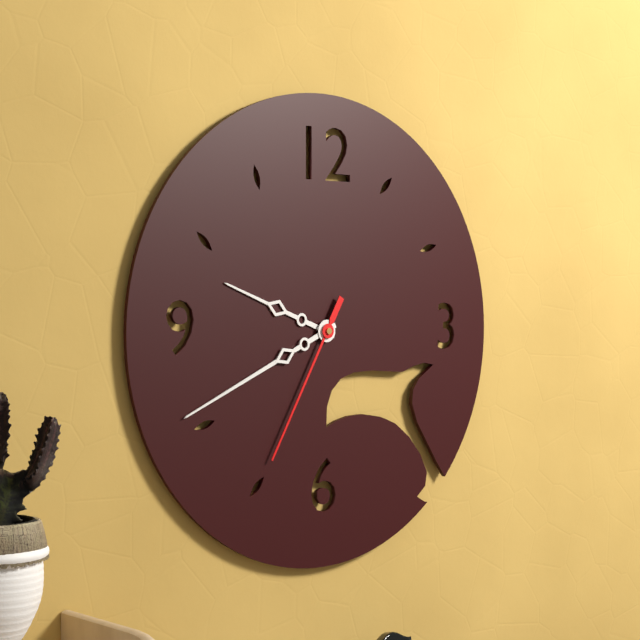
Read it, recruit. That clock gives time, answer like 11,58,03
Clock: 9,41,35
